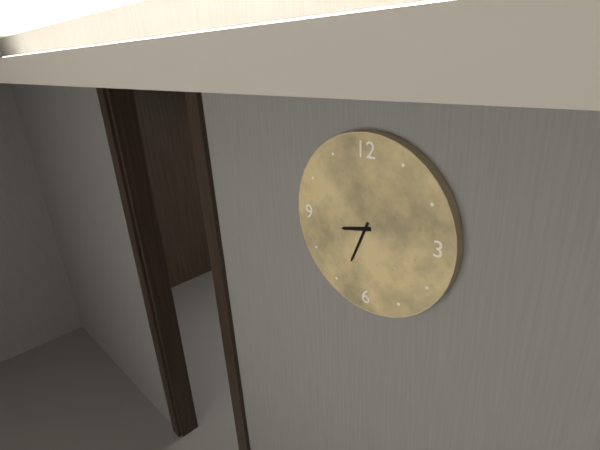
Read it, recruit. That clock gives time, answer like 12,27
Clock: 8,34
